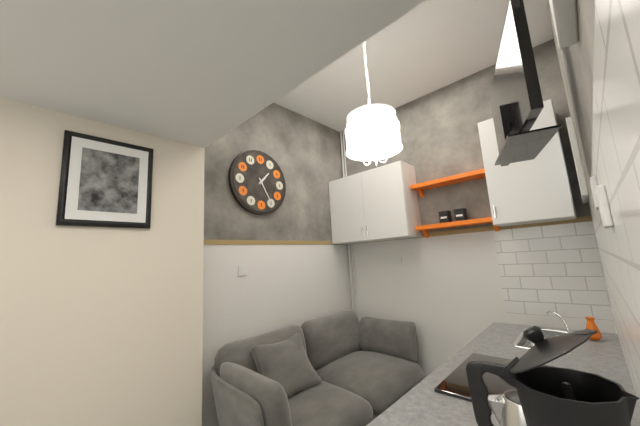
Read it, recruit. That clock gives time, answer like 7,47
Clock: 1,25
